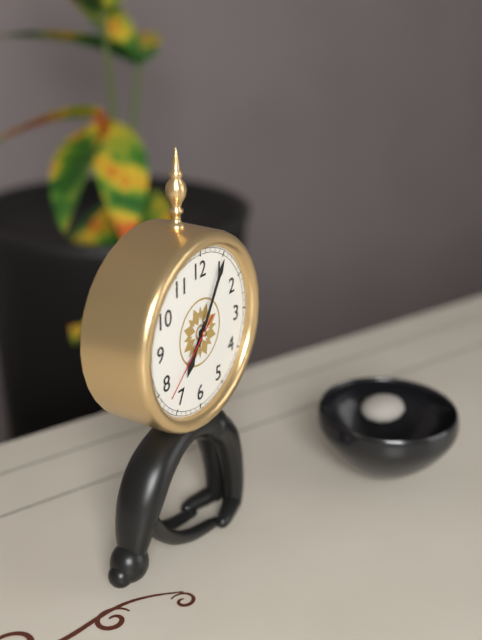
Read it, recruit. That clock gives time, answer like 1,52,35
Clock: 7,05,38
